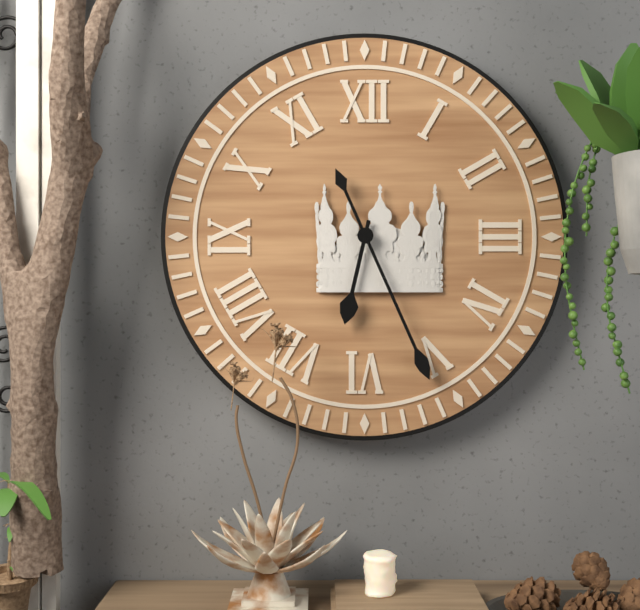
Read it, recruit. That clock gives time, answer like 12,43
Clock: 6,26
